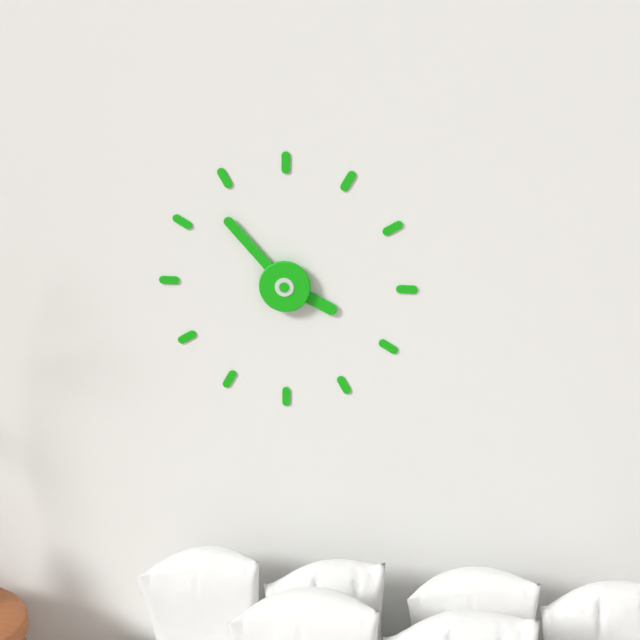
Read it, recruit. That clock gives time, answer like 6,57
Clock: 3,53
